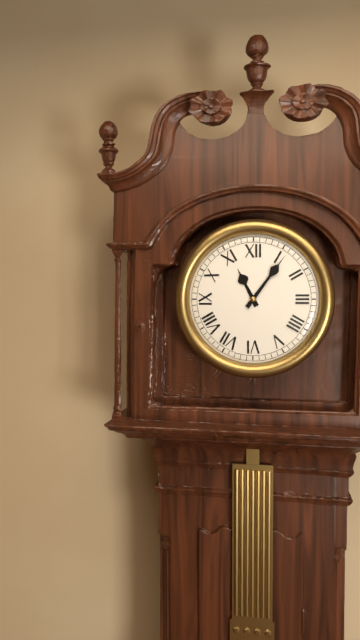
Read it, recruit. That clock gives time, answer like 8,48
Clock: 11,06
